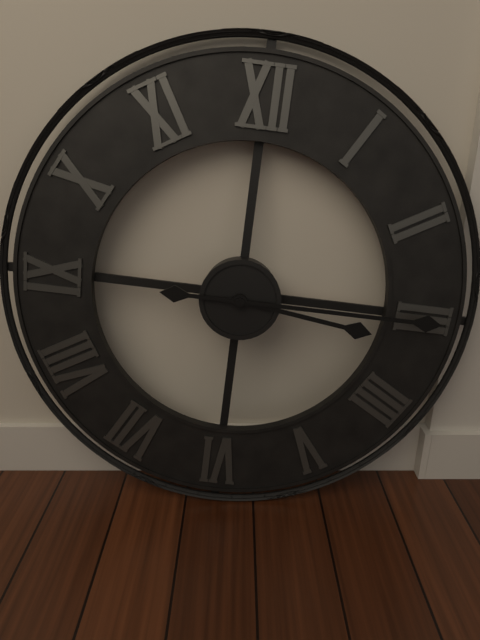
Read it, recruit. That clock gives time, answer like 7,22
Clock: 3,15
